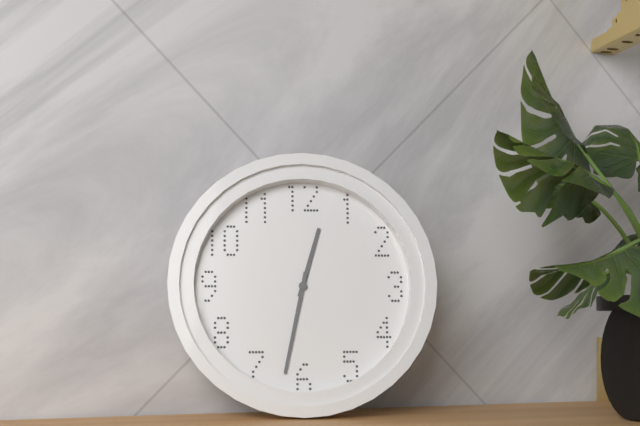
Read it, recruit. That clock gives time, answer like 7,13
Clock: 12,32
